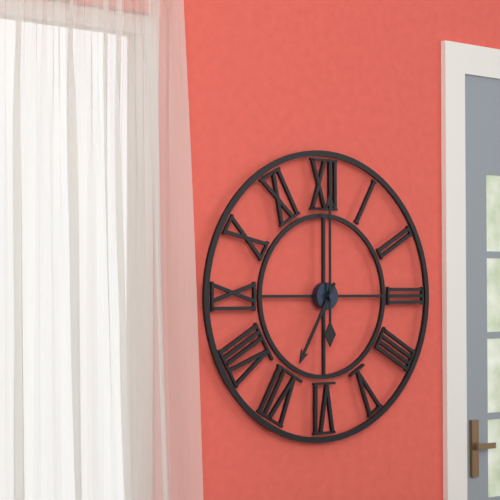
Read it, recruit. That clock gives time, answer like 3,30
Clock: 7,00
